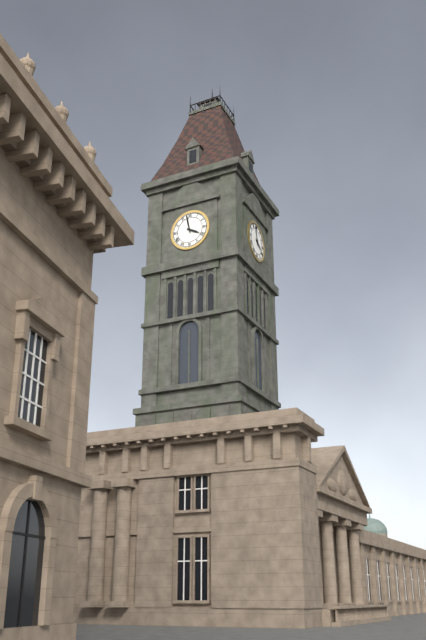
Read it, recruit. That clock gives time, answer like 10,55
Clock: 3,58
